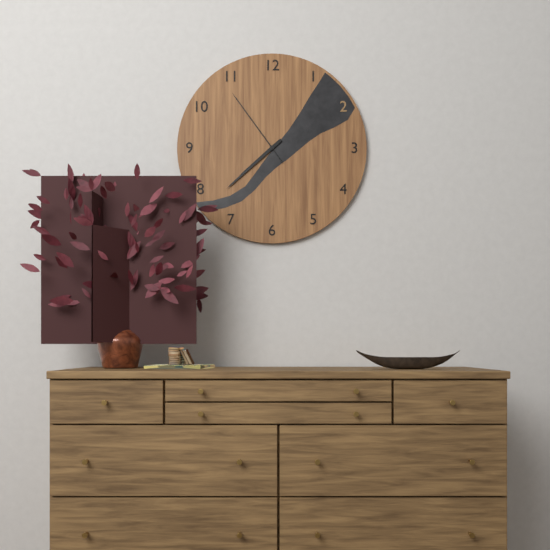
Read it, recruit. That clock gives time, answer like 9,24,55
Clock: 7,38,54
